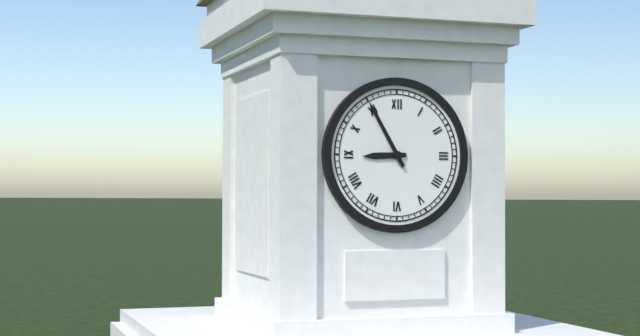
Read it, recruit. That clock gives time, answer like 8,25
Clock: 8,55
